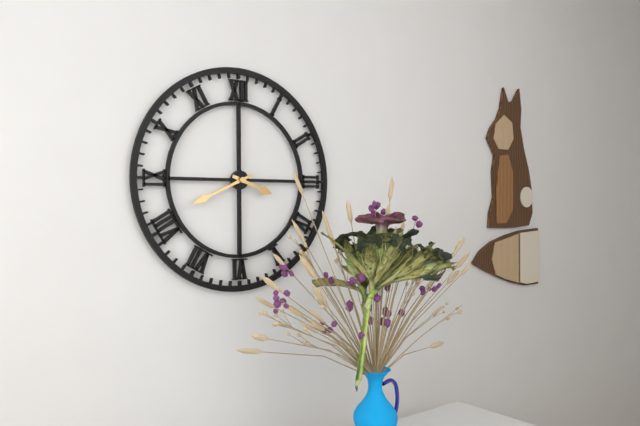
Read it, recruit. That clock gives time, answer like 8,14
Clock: 3,41
